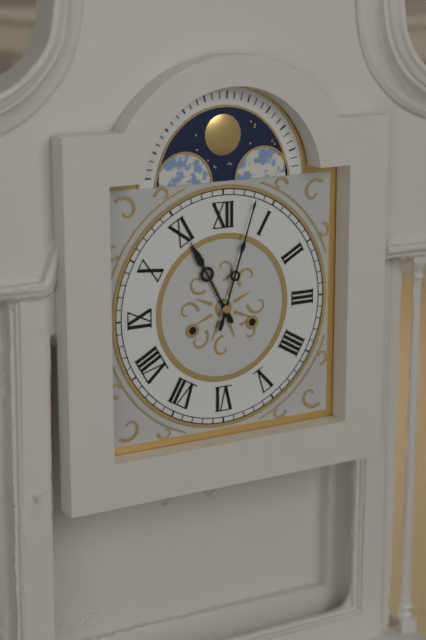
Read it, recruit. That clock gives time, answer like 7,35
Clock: 11,03
